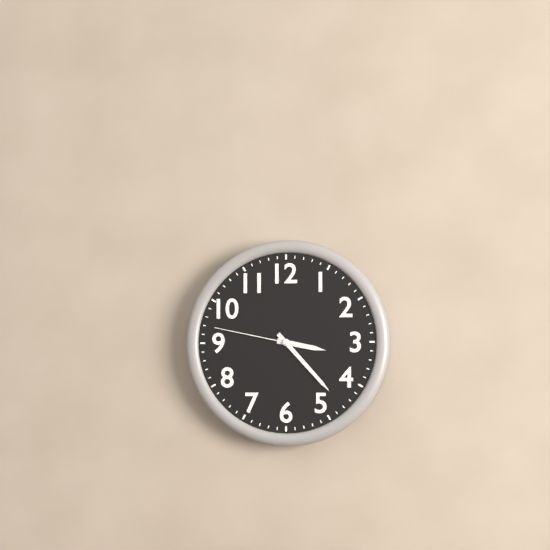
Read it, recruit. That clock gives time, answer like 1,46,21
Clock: 3,23,47
